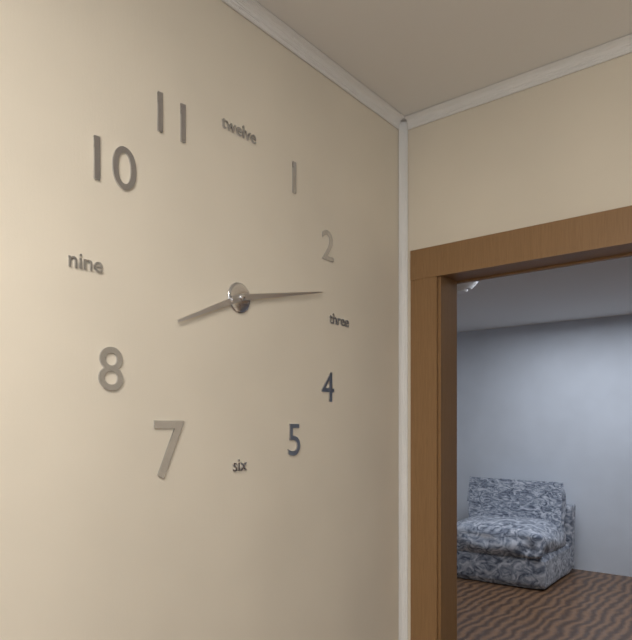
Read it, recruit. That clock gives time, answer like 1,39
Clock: 8,13
